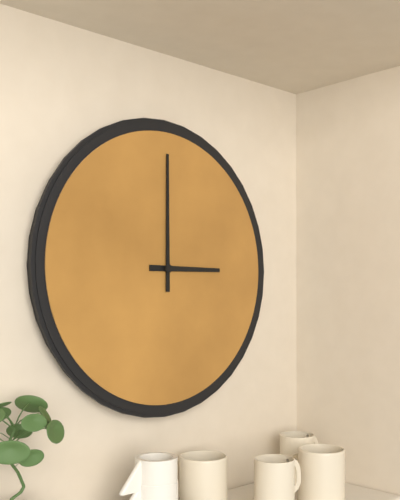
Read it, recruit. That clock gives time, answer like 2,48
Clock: 3,00
